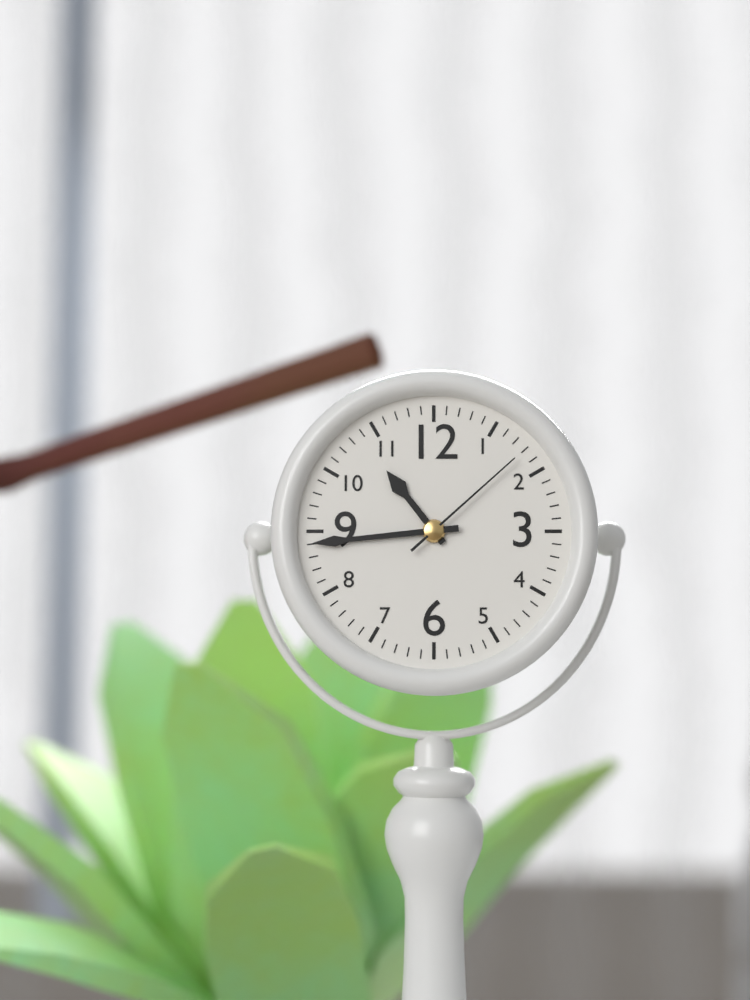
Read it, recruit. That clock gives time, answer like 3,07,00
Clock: 10,44,08
